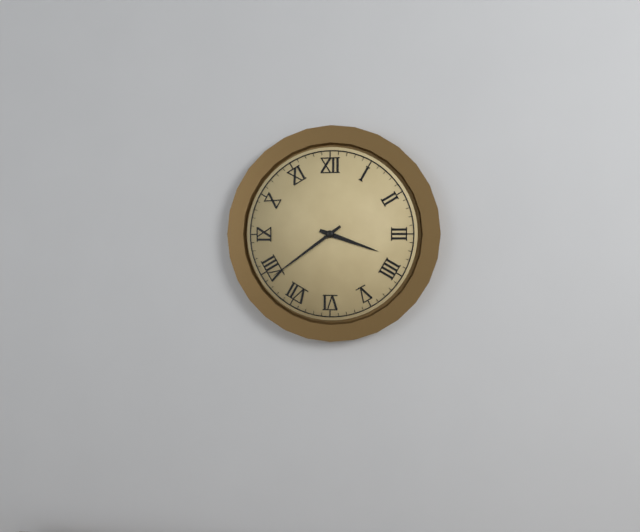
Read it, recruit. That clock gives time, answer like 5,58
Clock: 3,39
